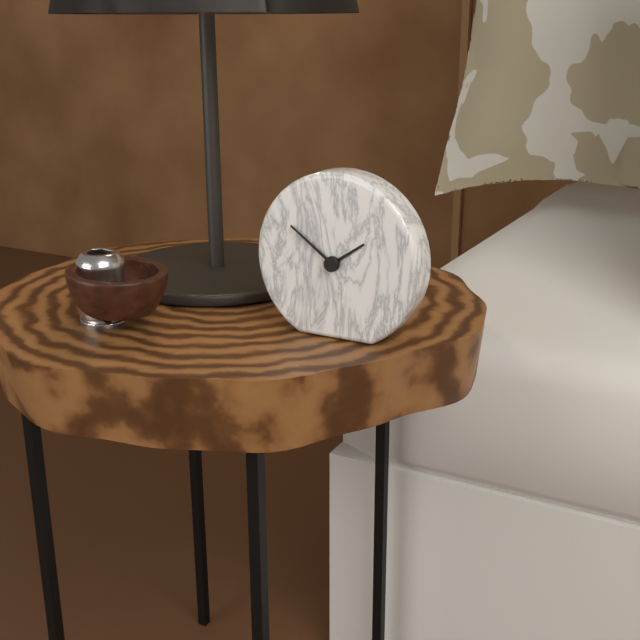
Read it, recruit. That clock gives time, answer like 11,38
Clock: 1,51
